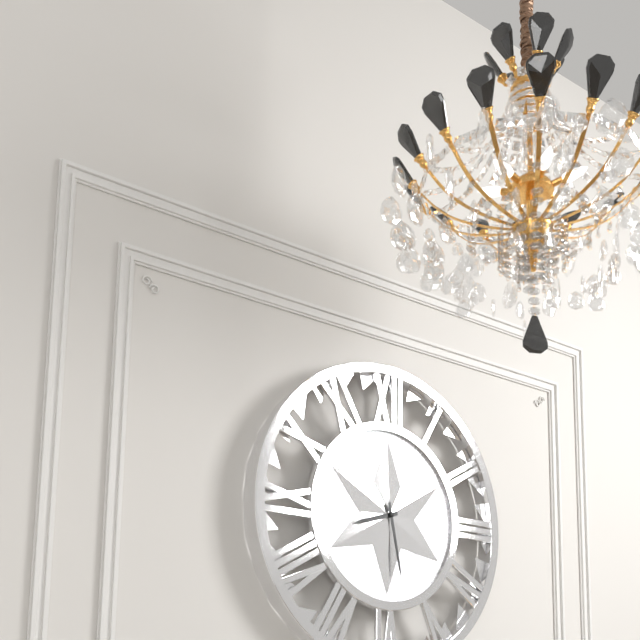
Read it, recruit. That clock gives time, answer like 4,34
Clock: 8,28
